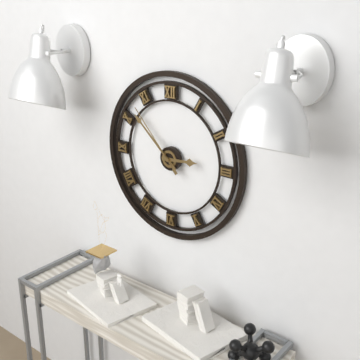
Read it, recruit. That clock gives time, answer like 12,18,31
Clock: 2,52,53
